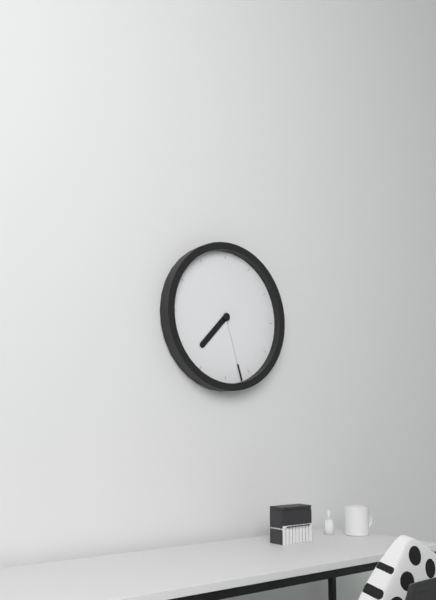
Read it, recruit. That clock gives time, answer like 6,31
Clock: 7,27
